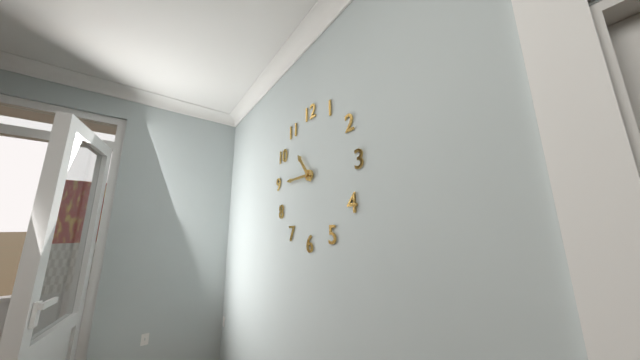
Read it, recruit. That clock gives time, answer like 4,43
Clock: 10,45
